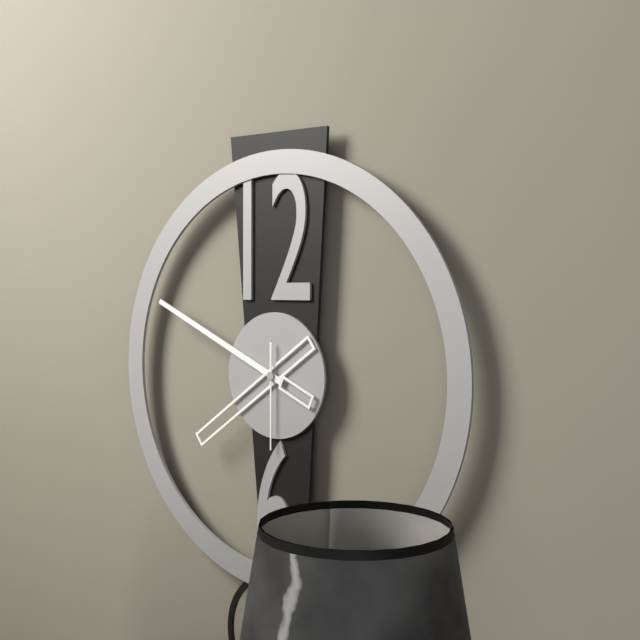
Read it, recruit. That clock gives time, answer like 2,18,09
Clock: 7,49,30
